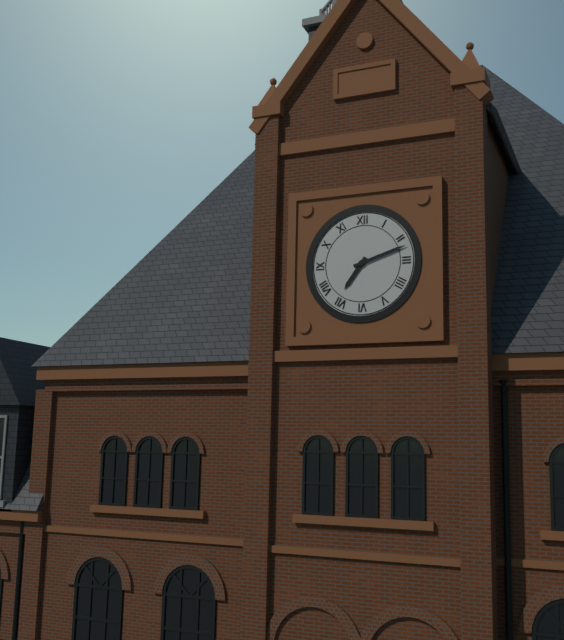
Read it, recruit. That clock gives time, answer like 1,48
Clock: 7,12
